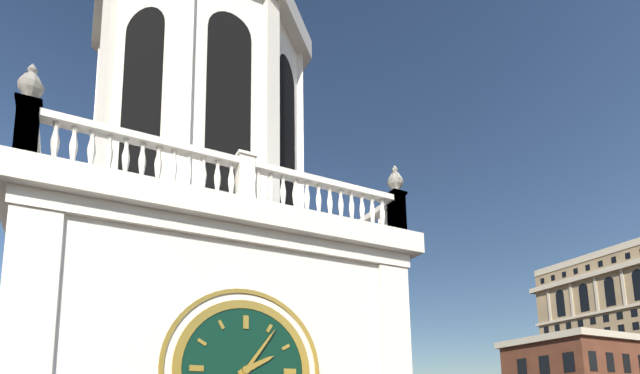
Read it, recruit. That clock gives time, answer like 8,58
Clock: 2,06
